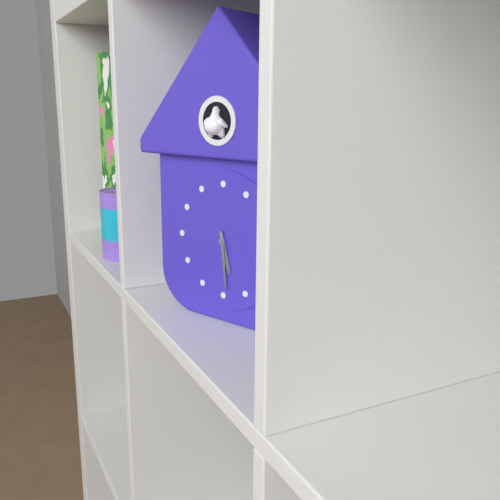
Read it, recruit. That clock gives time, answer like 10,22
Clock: 5,29
